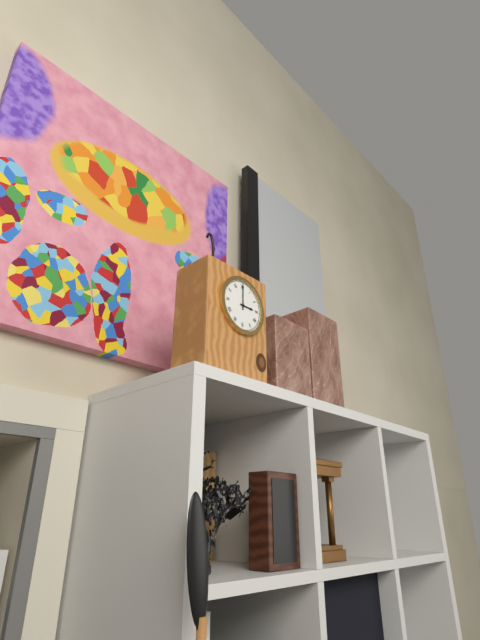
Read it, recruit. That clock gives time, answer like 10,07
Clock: 3,00
